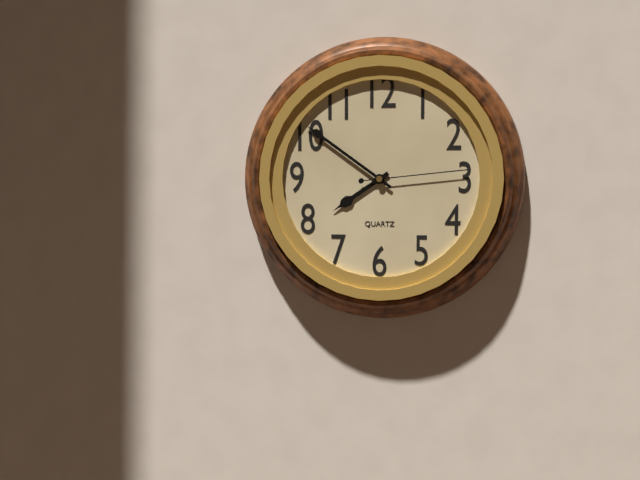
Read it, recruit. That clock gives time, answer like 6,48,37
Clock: 7,51,14
